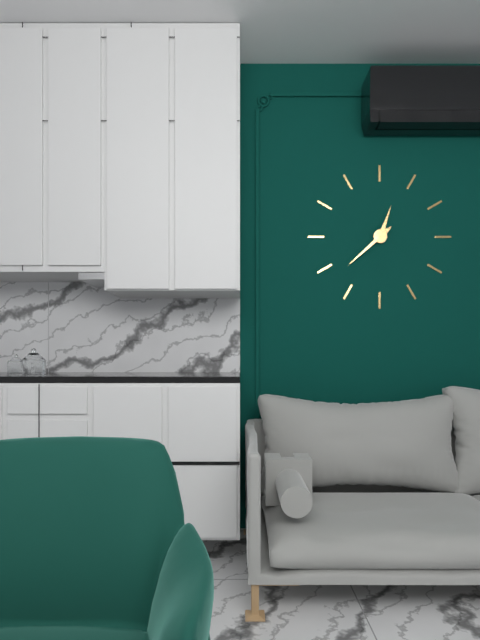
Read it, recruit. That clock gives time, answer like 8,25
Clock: 12,38
